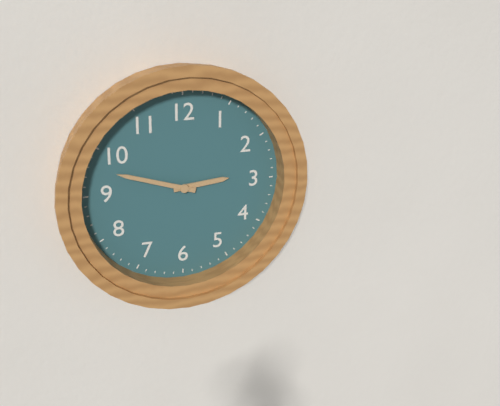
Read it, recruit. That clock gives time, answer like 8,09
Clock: 2,48
